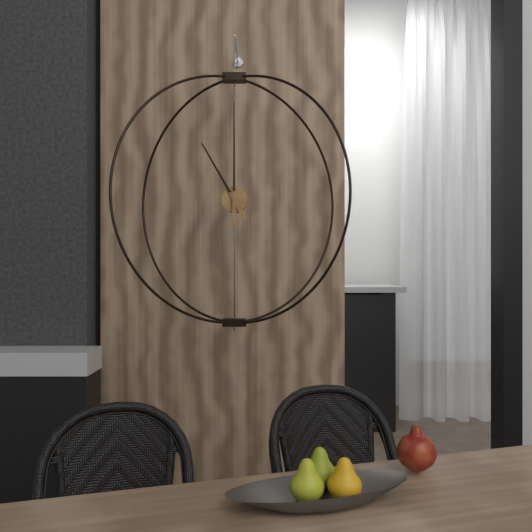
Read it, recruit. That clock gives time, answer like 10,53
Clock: 11,00
